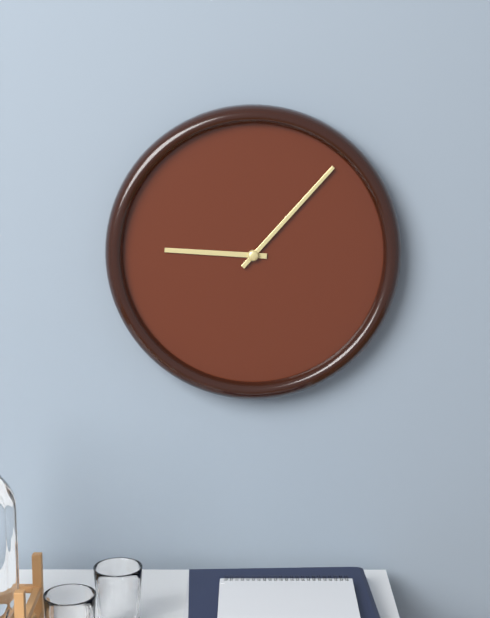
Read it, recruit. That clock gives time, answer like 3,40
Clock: 9,07
